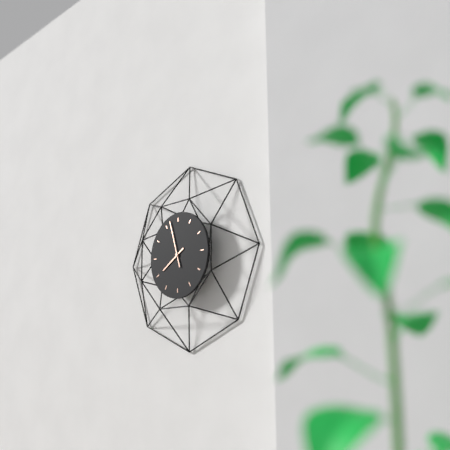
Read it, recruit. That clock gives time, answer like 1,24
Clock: 7,57
